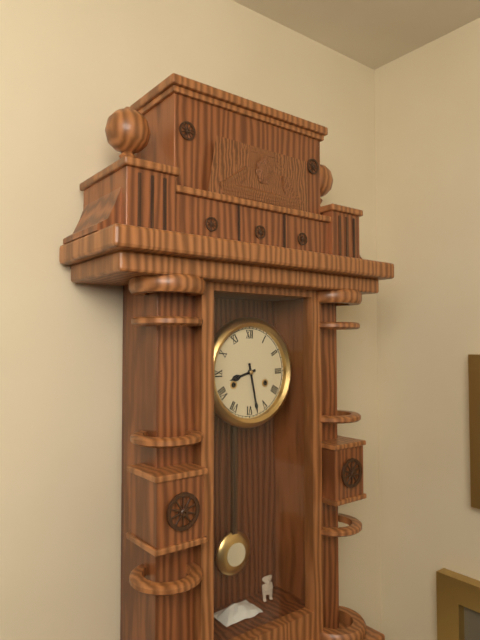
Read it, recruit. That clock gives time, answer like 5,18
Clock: 8,28
